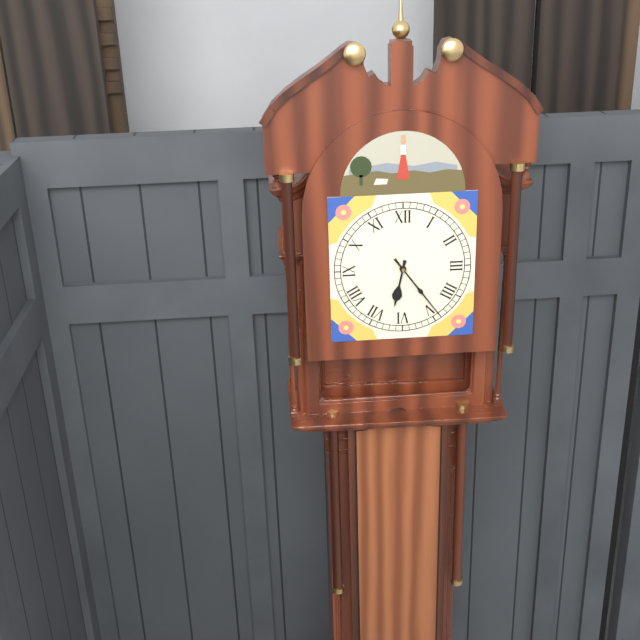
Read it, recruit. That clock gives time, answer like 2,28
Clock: 6,24
